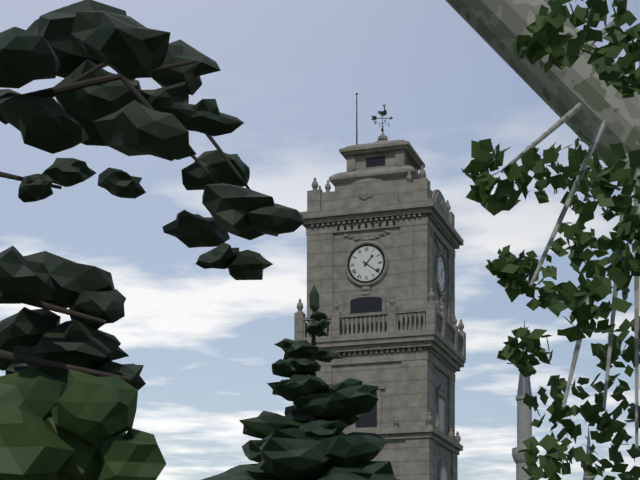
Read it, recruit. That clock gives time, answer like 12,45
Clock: 1,21
